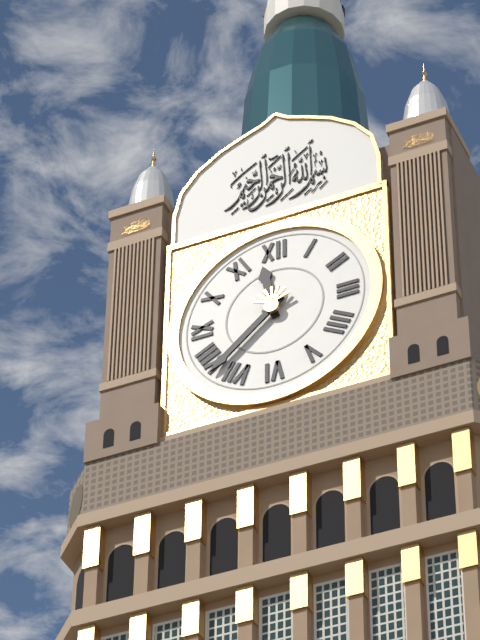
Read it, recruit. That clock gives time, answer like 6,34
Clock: 11,38
